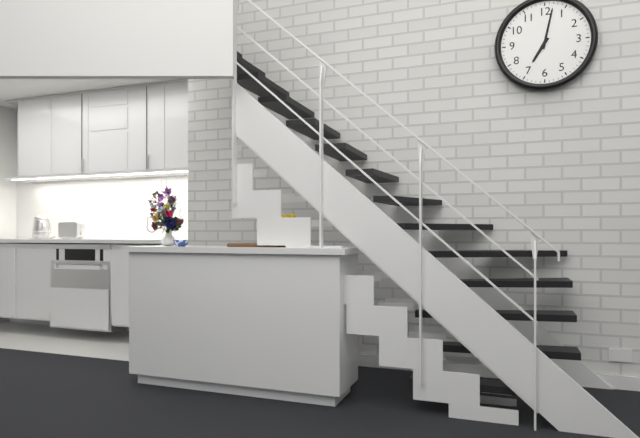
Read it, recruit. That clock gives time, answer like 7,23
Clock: 7,02
